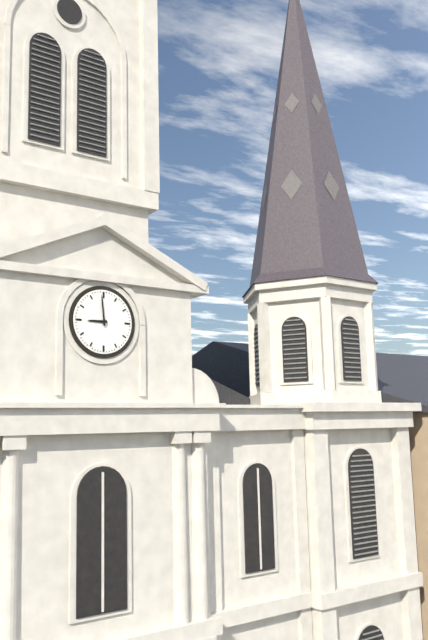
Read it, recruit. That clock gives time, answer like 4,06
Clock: 8,59
